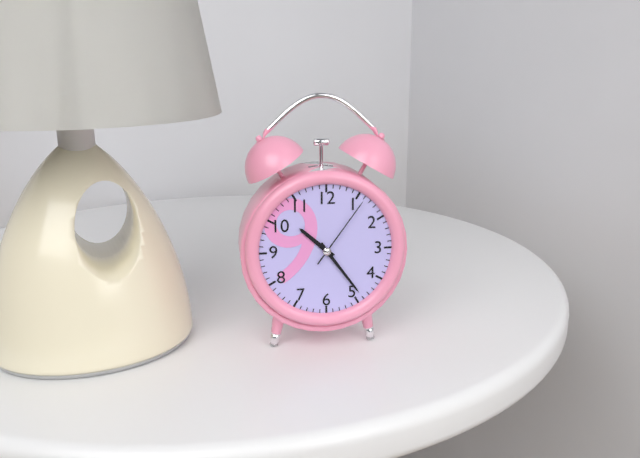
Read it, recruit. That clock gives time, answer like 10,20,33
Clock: 10,24,06
